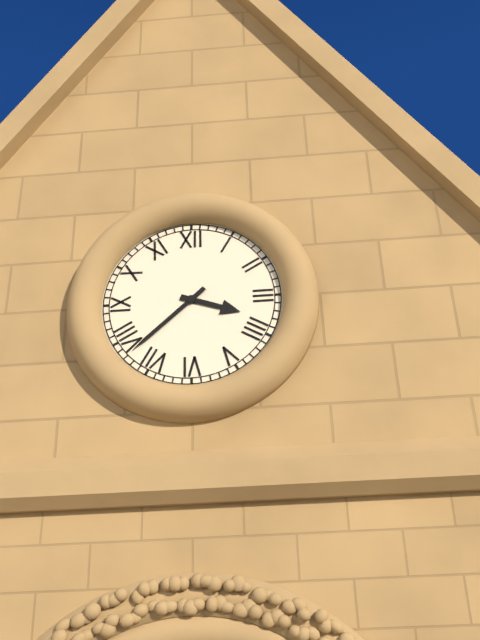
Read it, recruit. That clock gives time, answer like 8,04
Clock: 3,38
